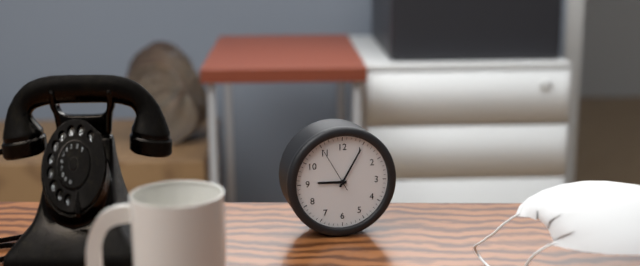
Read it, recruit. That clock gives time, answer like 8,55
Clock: 9,05
